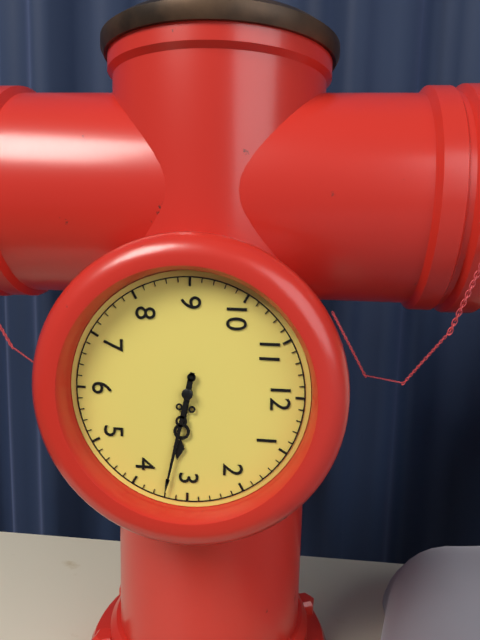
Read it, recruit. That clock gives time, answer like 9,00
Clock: 3,17
